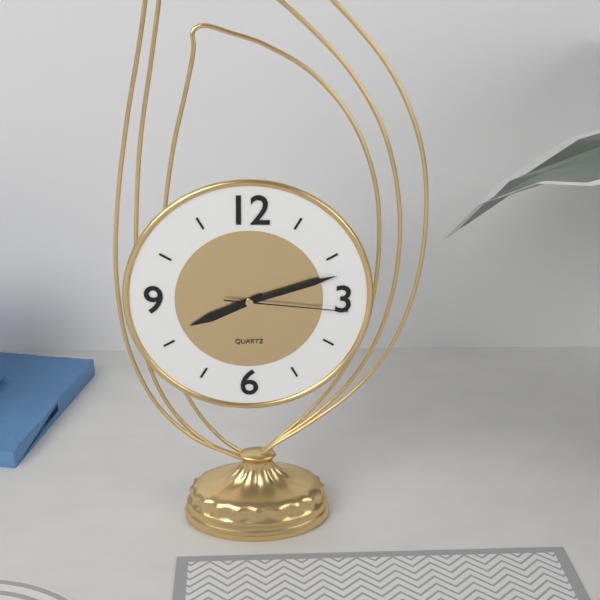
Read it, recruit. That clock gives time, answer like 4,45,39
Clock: 8,12,16
